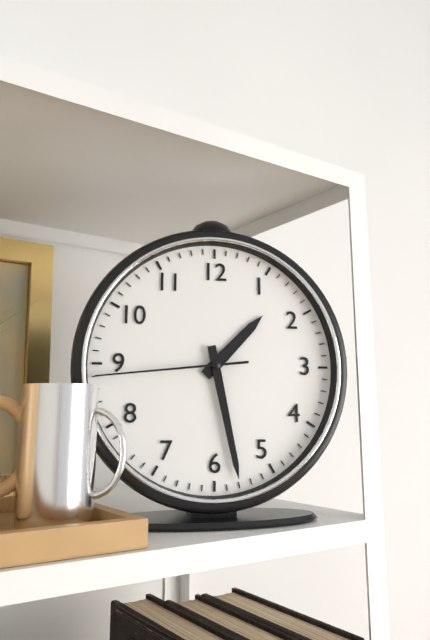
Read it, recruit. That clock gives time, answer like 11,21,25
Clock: 1,28,44
